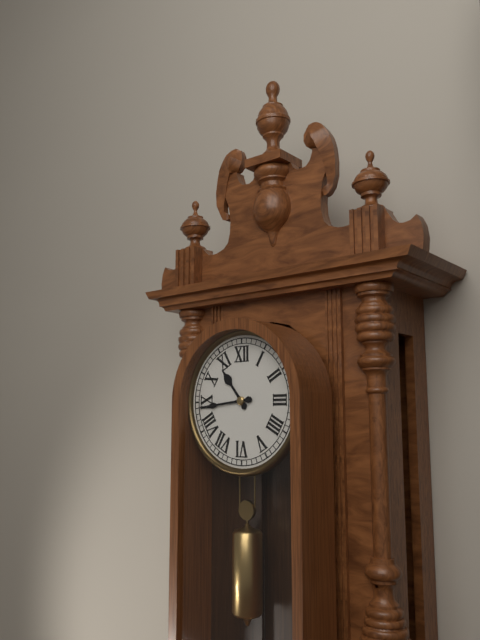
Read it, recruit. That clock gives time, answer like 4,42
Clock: 10,44
